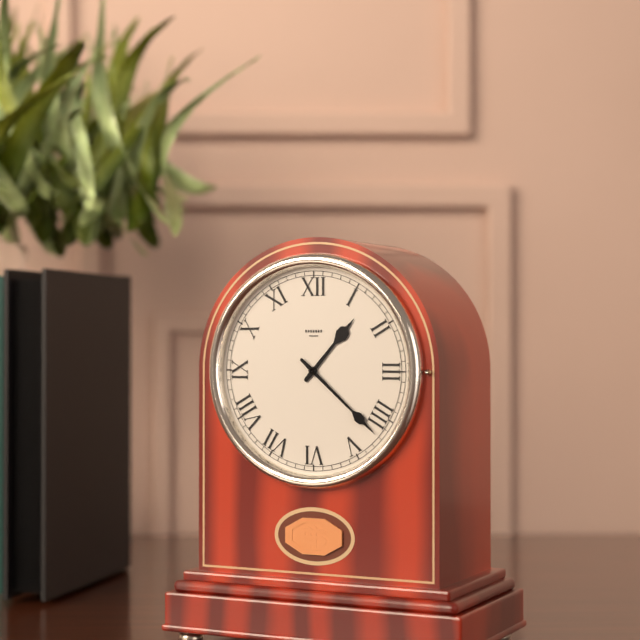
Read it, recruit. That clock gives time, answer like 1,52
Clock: 1,22
